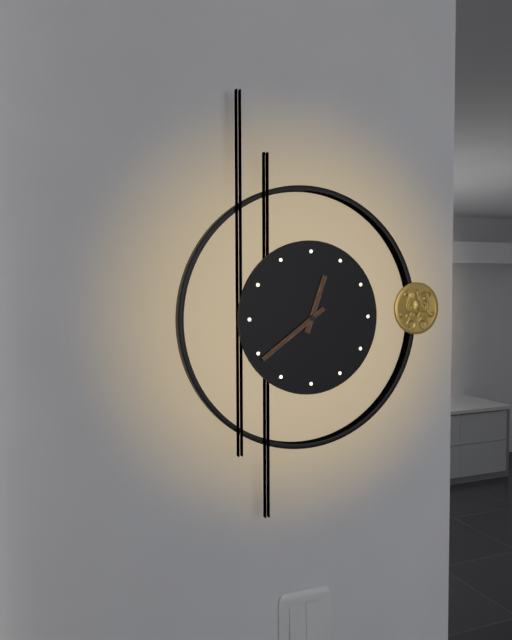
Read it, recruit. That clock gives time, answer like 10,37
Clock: 12,39
